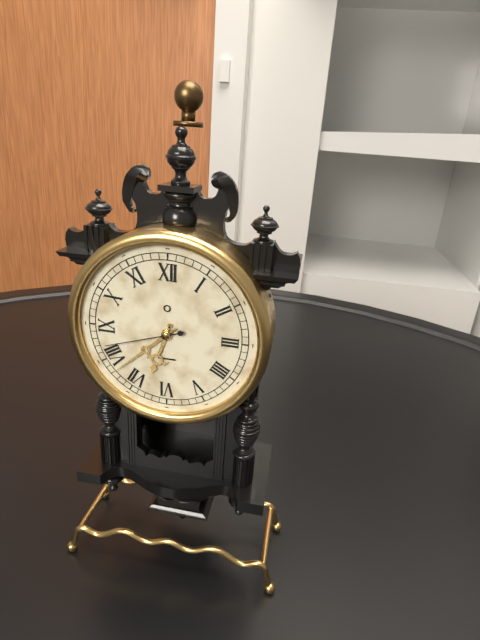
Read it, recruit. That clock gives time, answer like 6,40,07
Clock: 6,38,42
